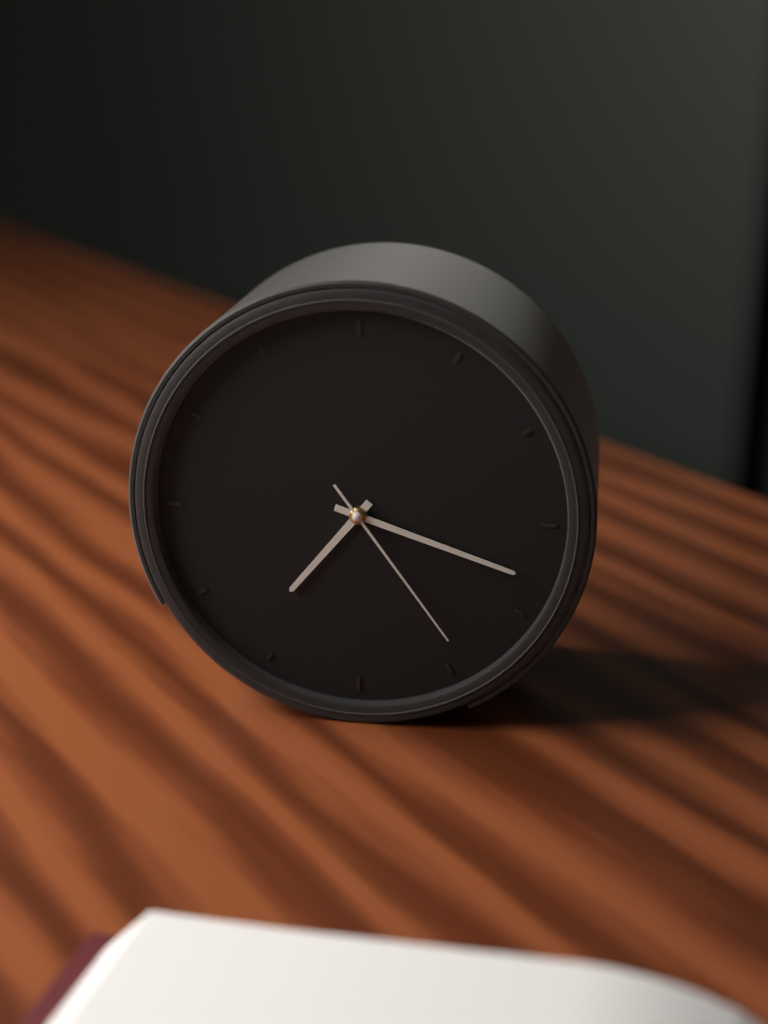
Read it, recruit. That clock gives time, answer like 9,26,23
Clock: 7,18,24
